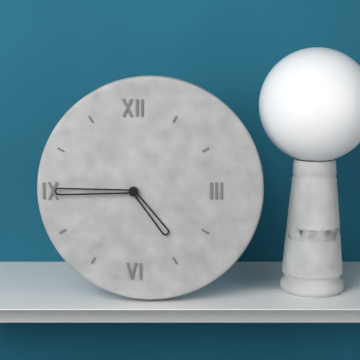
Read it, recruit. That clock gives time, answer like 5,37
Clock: 4,45
